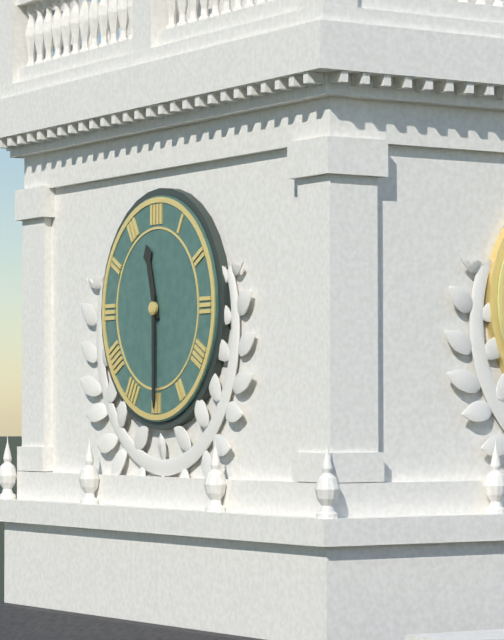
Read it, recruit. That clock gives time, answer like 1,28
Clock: 11,30
